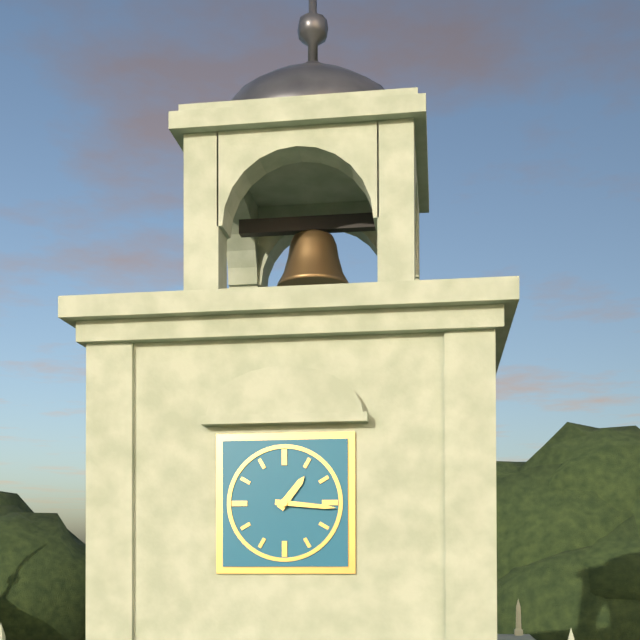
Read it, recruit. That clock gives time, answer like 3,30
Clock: 1,16
